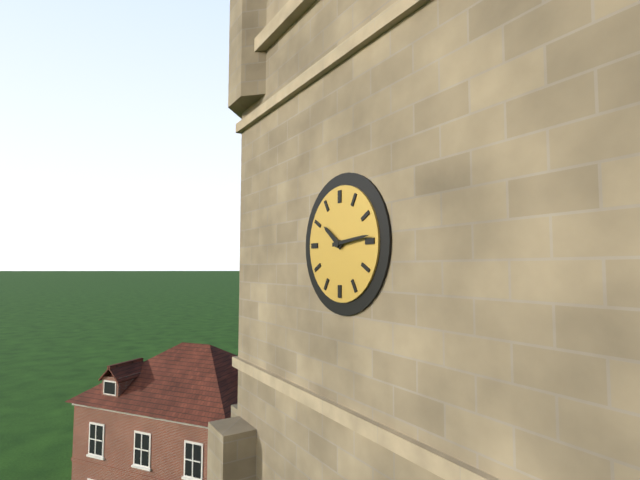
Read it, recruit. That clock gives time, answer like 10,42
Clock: 10,14
